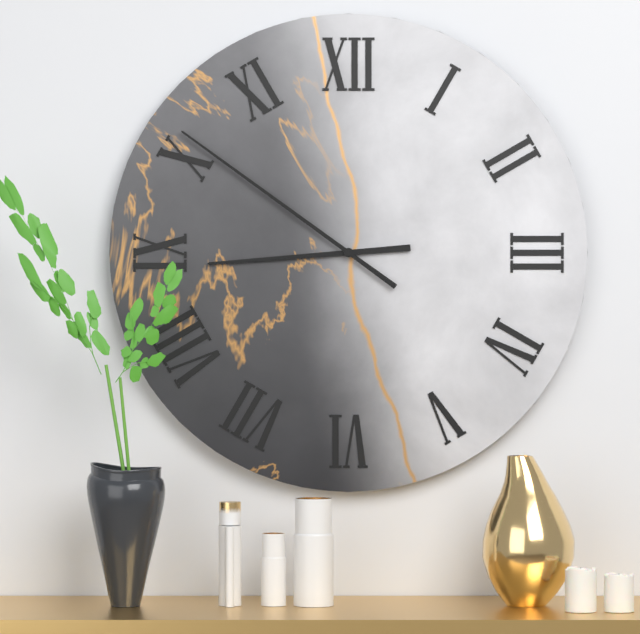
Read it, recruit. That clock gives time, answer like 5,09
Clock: 8,51
